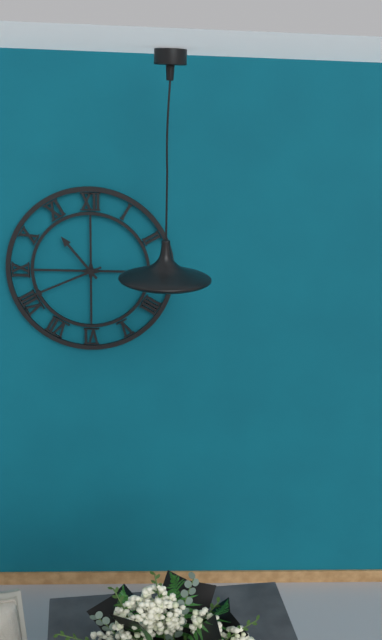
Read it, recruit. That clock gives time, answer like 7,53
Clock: 10,41
